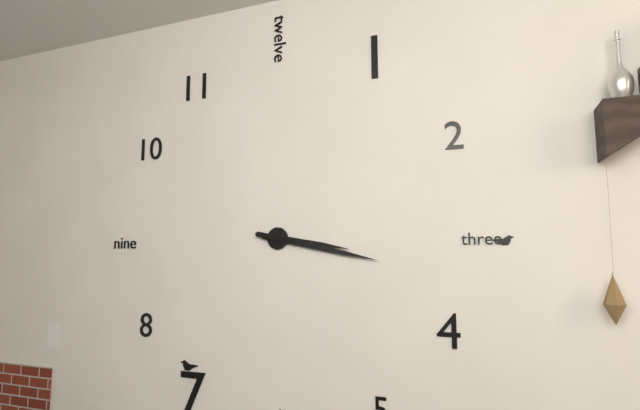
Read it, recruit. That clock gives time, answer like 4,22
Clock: 3,17
